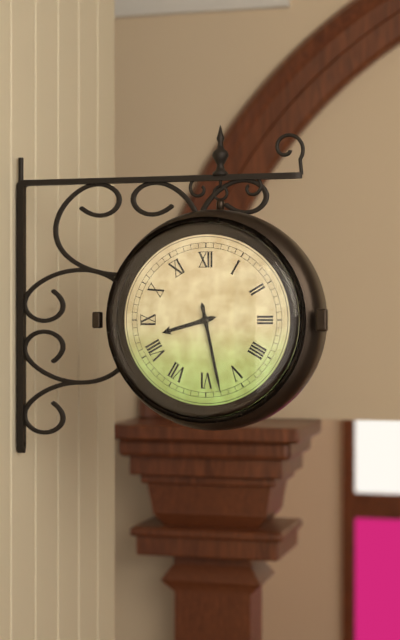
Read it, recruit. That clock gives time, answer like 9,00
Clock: 8,28
